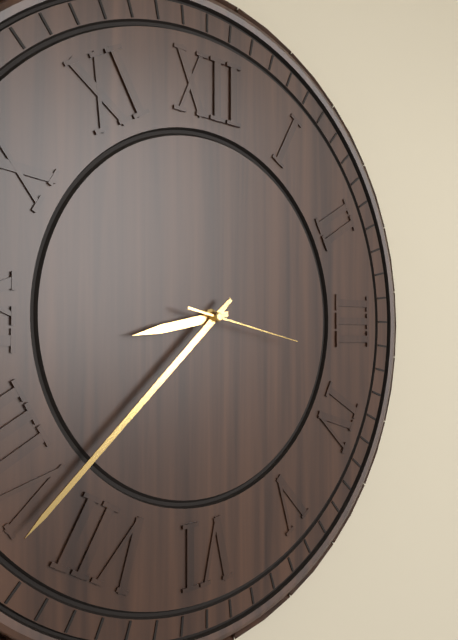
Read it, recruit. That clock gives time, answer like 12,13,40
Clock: 8,38,17
